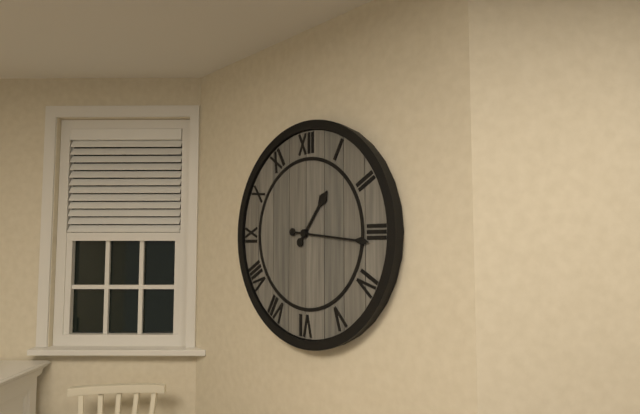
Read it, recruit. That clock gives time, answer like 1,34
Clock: 1,16
